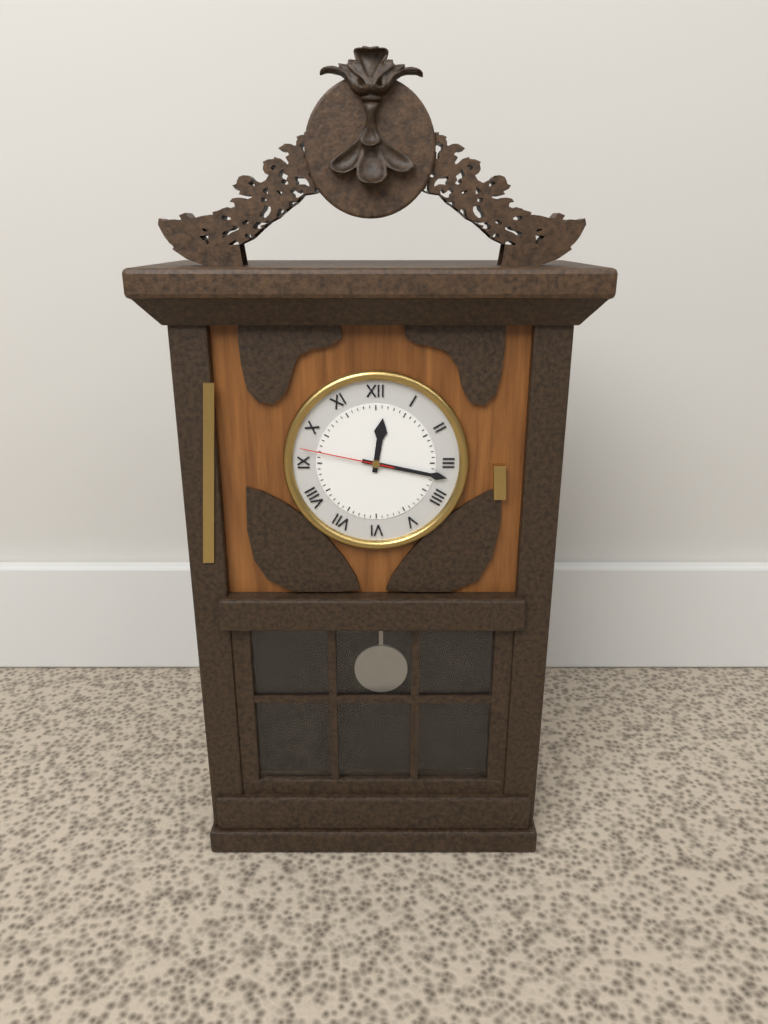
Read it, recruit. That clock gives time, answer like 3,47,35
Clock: 12,17,47
